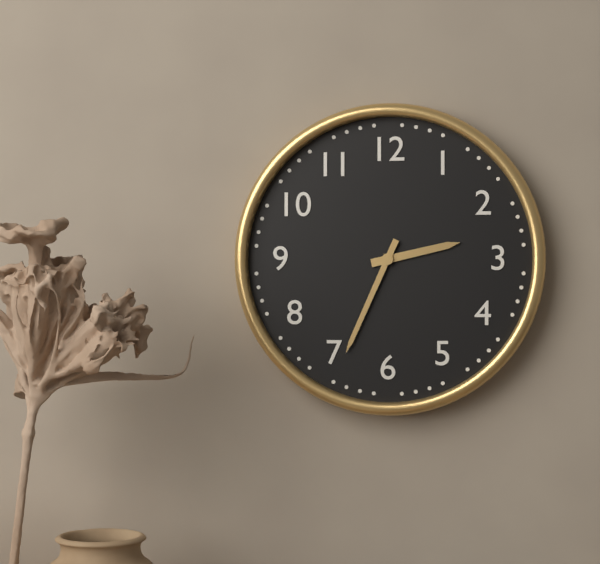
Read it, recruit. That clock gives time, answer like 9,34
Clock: 2,34
